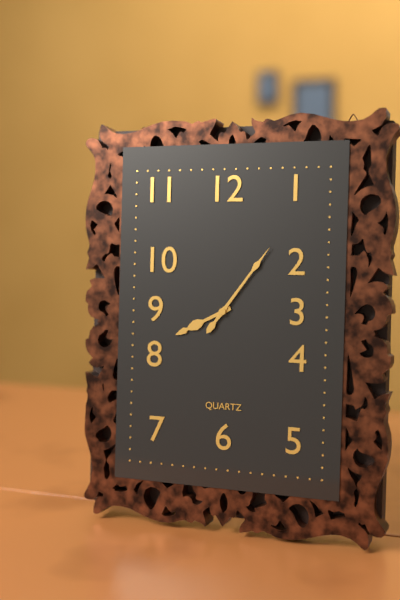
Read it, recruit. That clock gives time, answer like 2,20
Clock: 8,06
